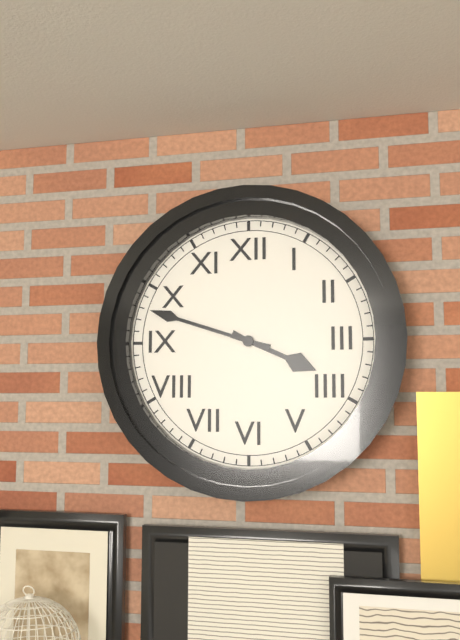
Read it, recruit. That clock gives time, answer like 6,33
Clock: 3,48
